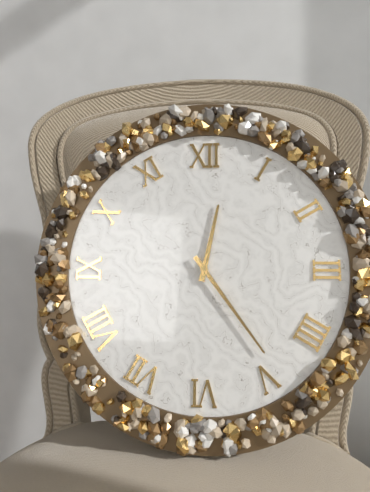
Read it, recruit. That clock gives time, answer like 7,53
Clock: 12,24
